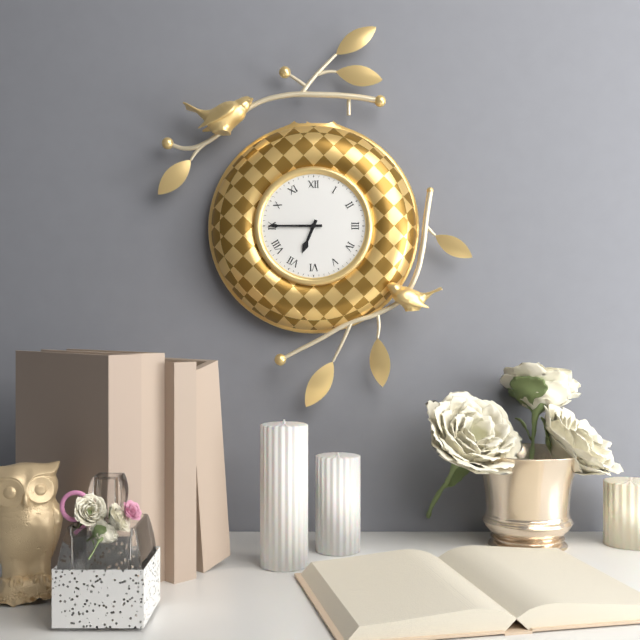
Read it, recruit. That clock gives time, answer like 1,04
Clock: 6,45
